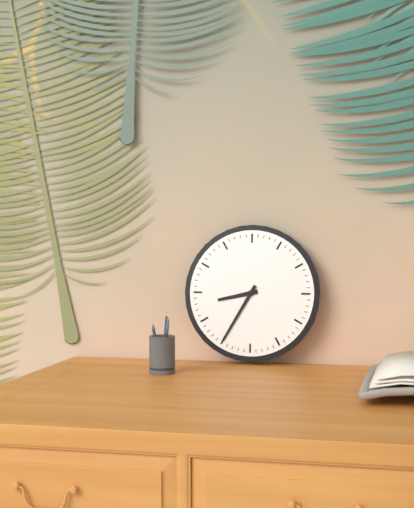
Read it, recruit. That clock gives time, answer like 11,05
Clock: 8,35
